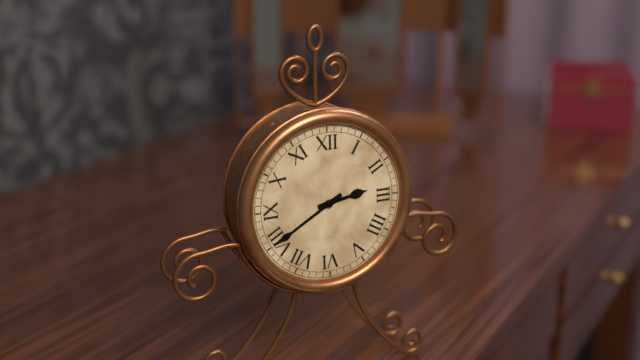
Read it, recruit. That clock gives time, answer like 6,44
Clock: 2,40
